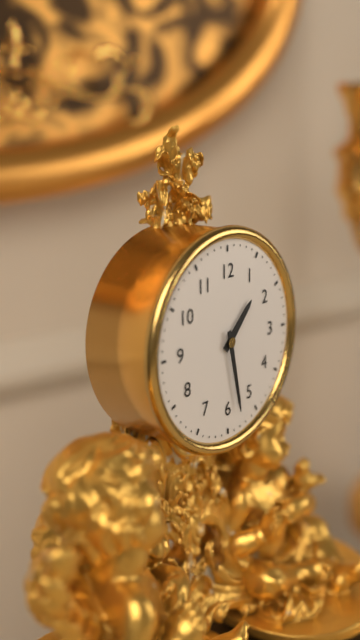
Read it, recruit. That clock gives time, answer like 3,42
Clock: 1,28
